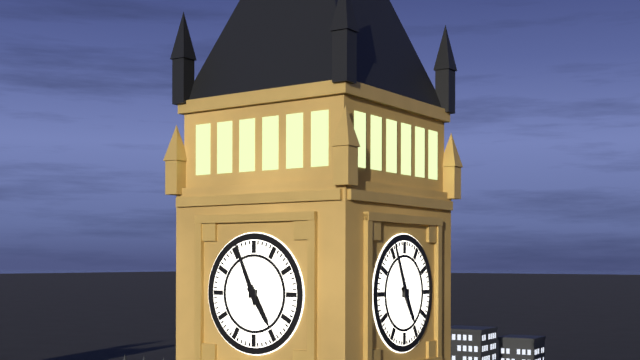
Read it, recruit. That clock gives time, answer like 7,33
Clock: 4,56
